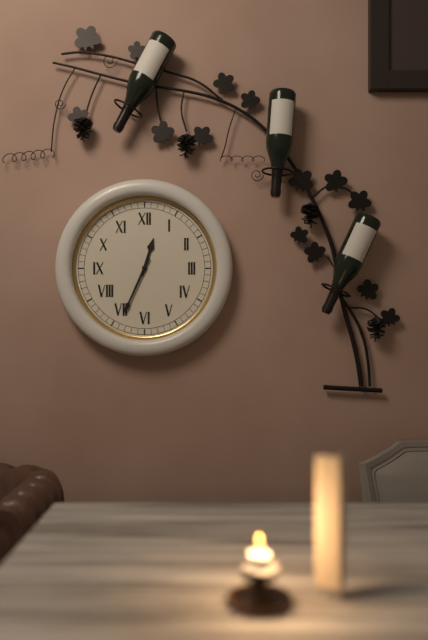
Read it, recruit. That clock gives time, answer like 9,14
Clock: 12,34
